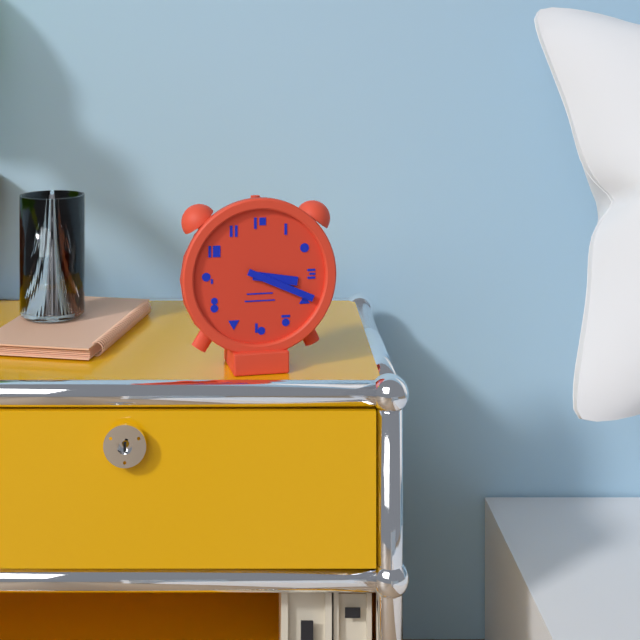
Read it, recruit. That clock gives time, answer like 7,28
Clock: 3,19
